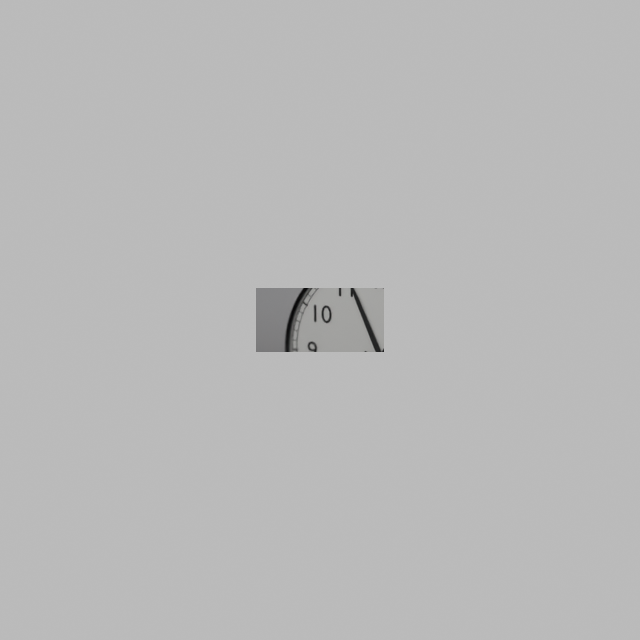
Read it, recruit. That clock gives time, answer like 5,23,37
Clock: 6,56,18
